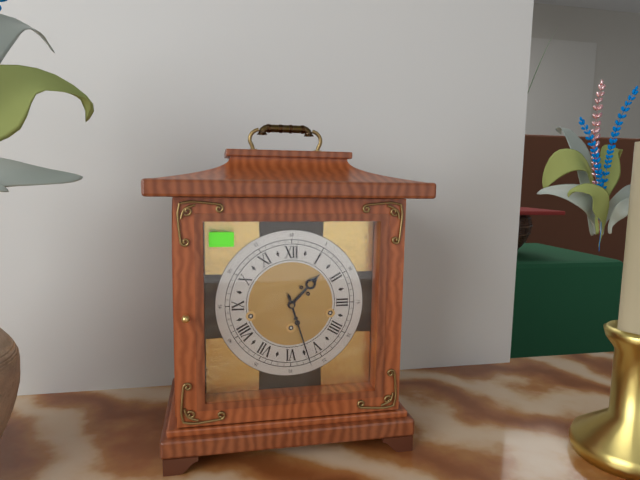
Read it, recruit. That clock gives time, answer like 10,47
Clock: 1,27
